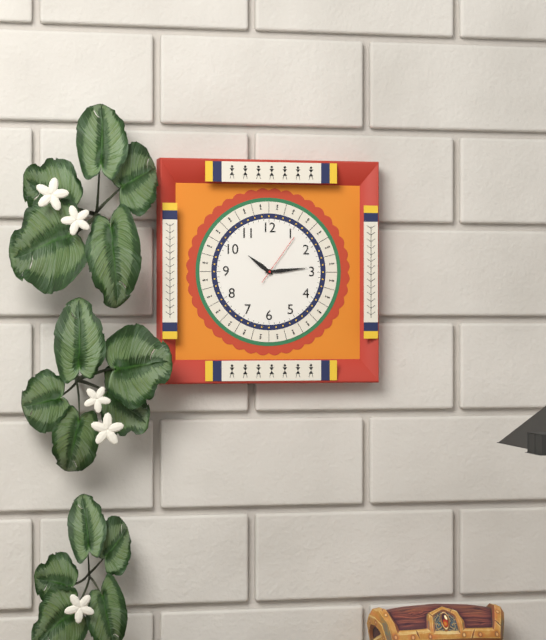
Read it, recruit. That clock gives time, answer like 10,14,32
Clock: 10,14,06
